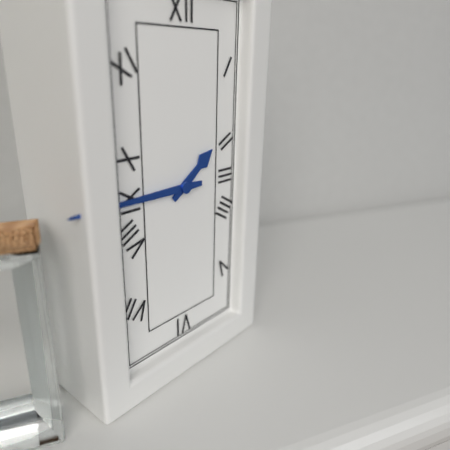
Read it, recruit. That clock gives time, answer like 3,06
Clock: 1,45
